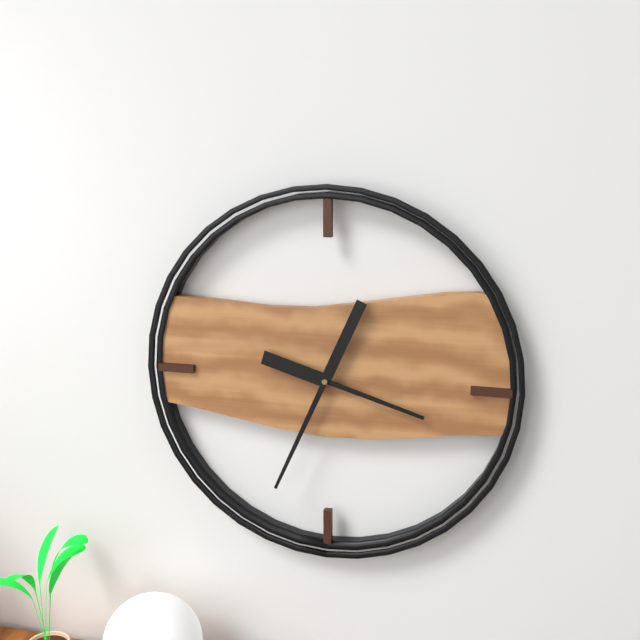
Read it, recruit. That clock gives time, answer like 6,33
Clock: 3,34
